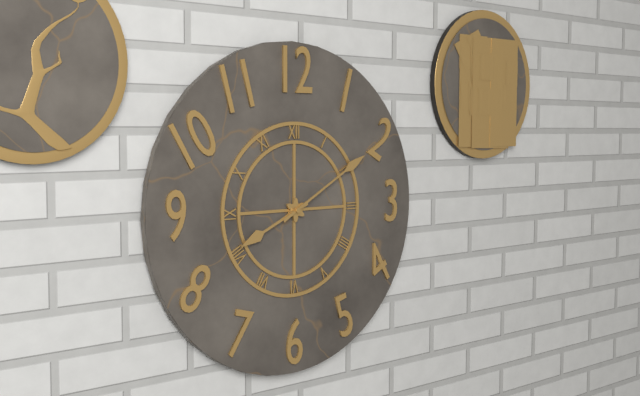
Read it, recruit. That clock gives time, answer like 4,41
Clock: 8,10
